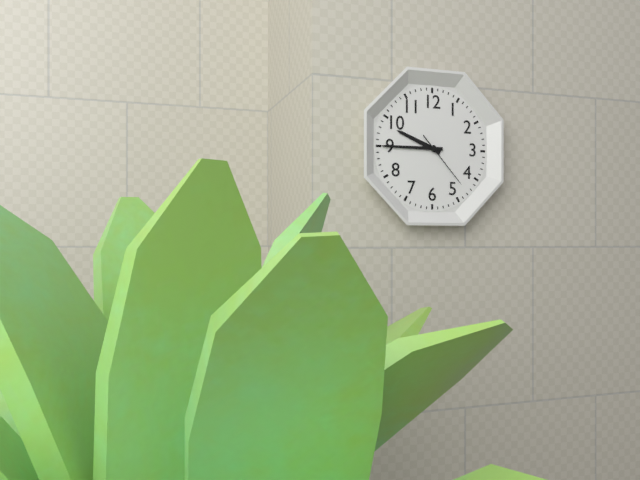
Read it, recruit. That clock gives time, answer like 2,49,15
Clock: 9,45,23
